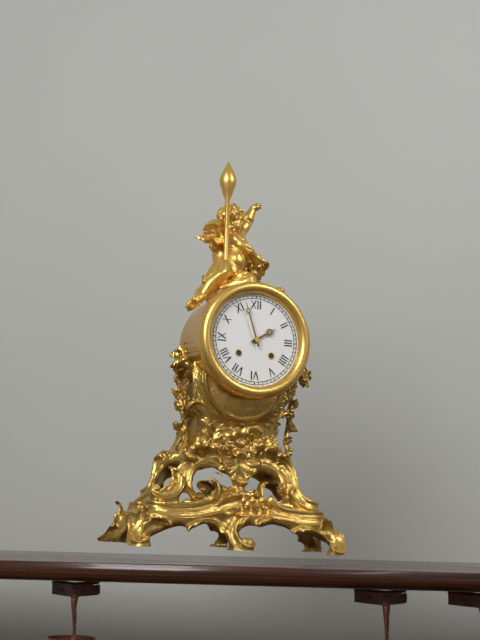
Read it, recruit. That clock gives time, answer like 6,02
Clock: 1,57
